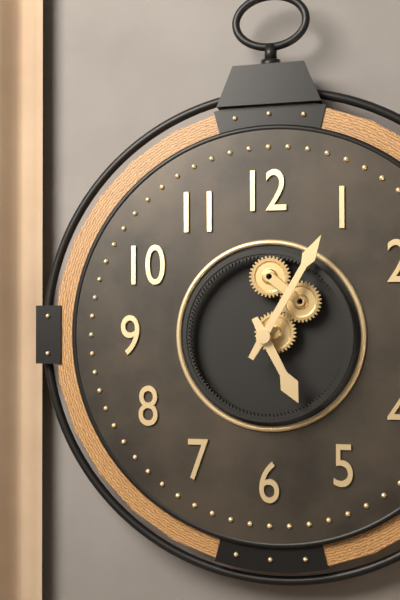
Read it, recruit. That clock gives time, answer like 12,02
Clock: 5,05
